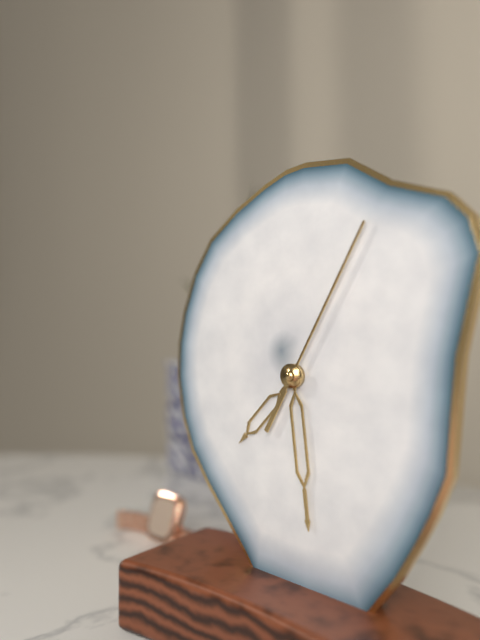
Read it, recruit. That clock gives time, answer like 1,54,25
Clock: 7,29,05
